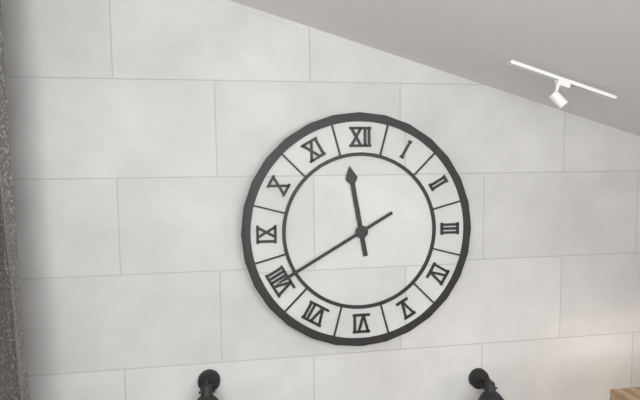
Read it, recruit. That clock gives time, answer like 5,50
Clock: 11,40
